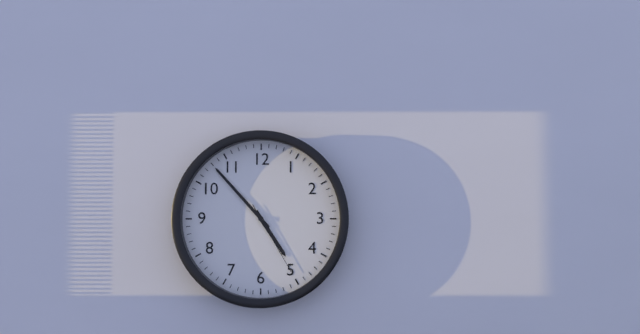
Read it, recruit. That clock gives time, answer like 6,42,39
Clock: 4,53,25
